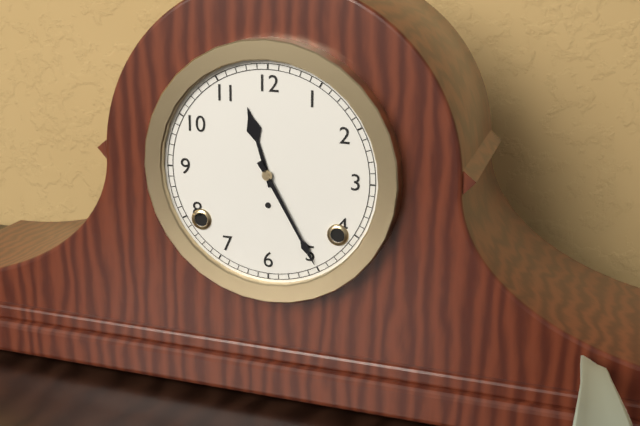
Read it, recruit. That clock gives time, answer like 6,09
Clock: 11,25
